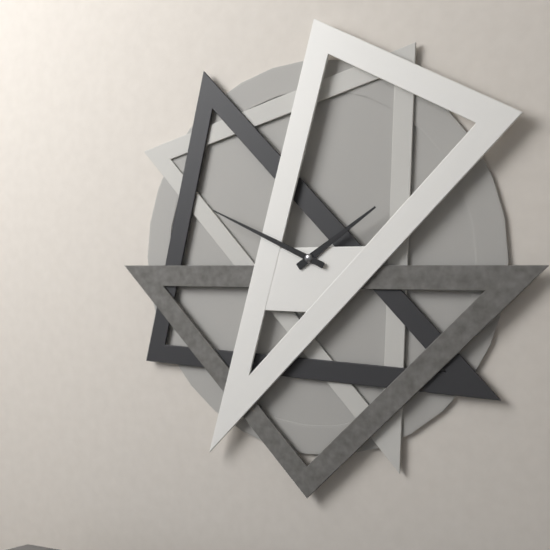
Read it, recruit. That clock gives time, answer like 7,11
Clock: 1,49
